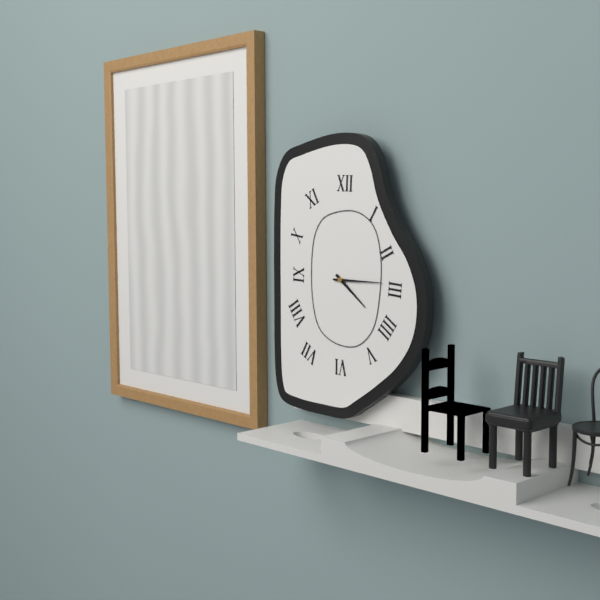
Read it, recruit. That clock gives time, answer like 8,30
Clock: 4,15
